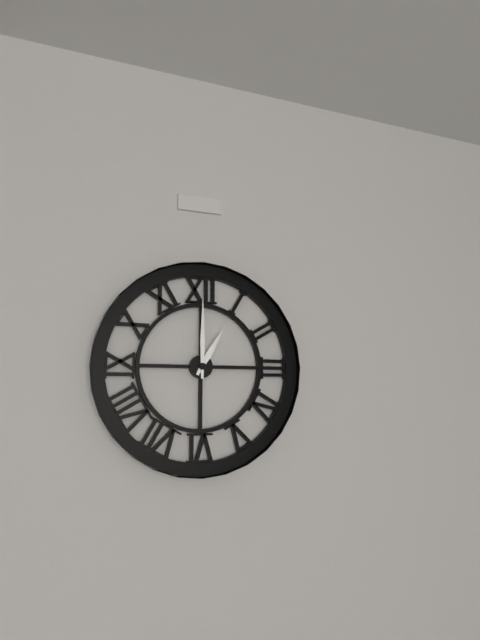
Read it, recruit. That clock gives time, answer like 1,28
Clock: 1,00
